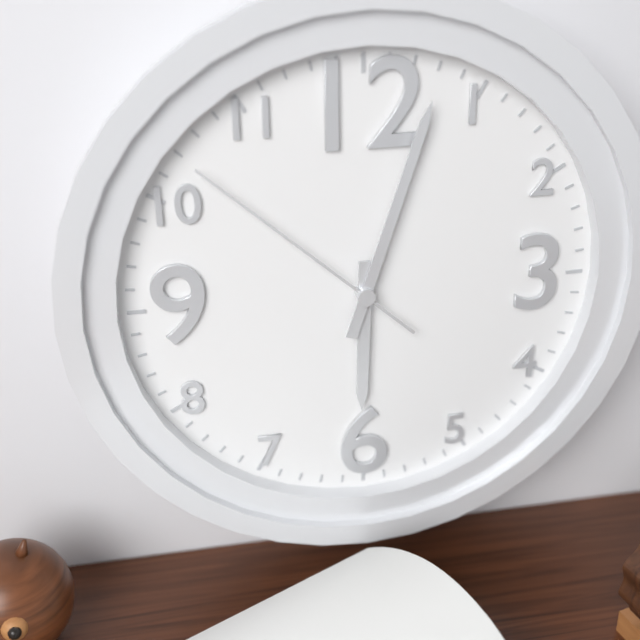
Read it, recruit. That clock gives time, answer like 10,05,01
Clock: 6,03,52
